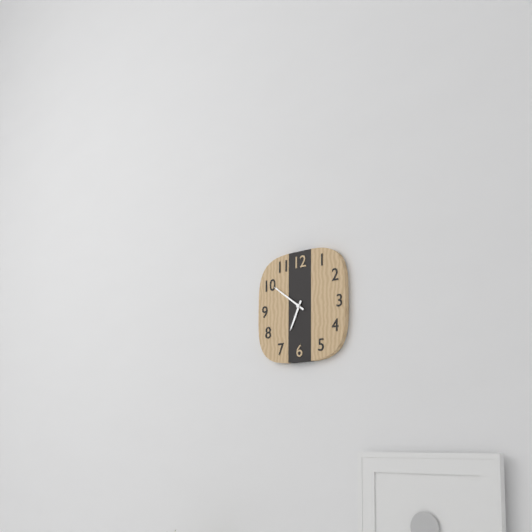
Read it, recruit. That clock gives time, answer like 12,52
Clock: 6,51
